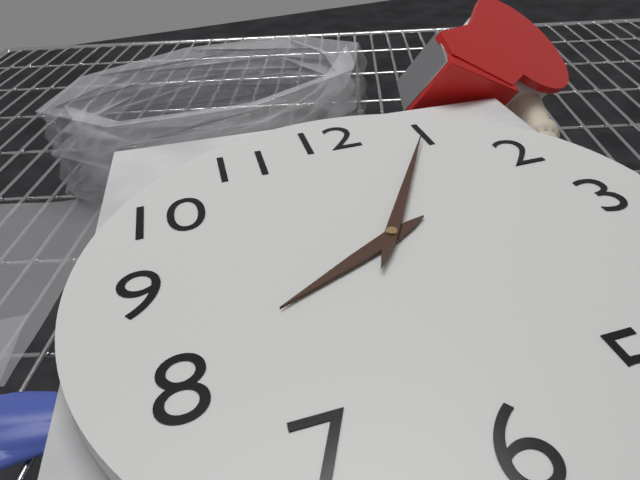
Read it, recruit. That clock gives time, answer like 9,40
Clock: 8,05
